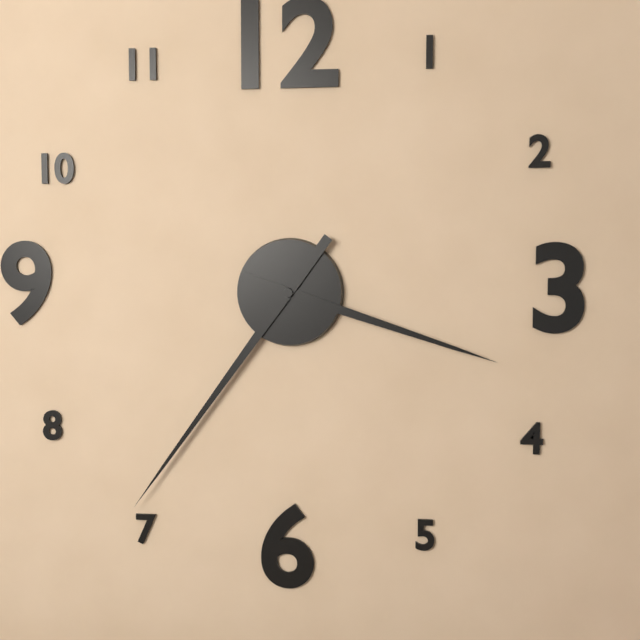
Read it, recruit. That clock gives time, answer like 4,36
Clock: 3,36
